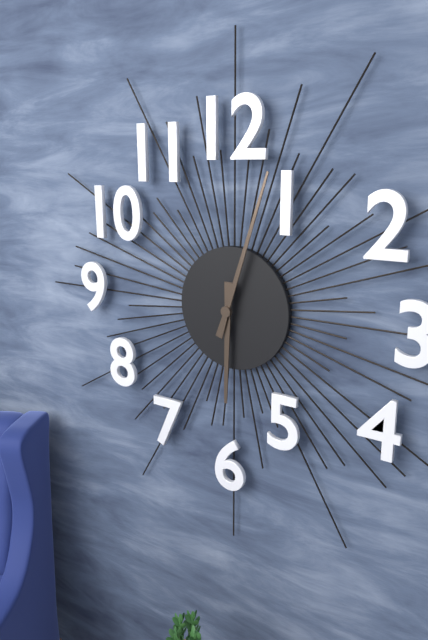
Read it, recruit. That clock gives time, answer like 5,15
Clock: 6,03
